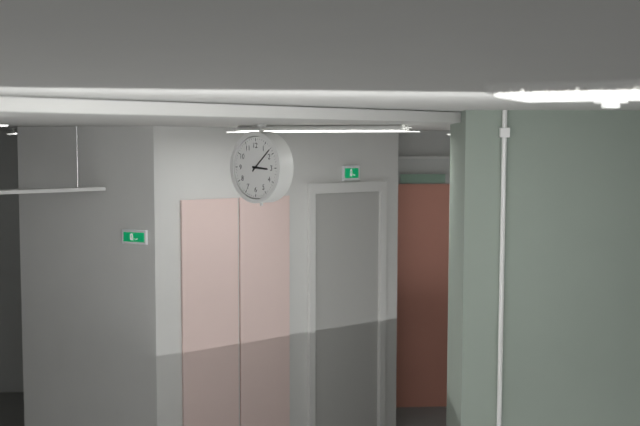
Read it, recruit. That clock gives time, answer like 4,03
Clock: 3,08
